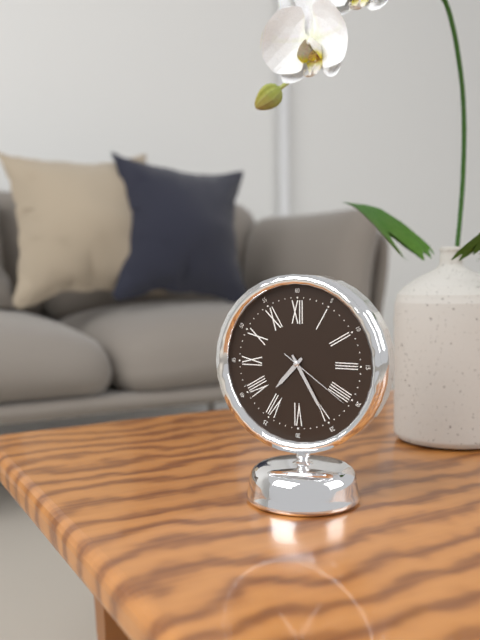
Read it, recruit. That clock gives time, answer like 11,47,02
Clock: 7,25,21
